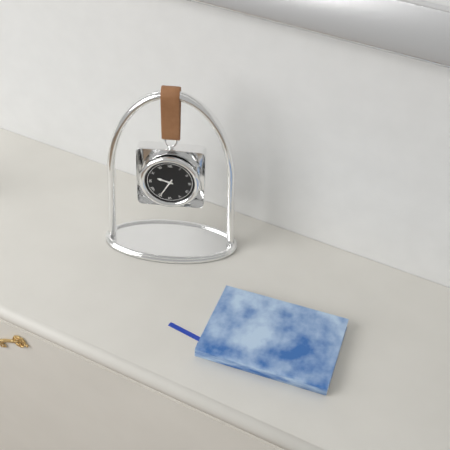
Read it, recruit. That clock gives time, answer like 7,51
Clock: 9,35
